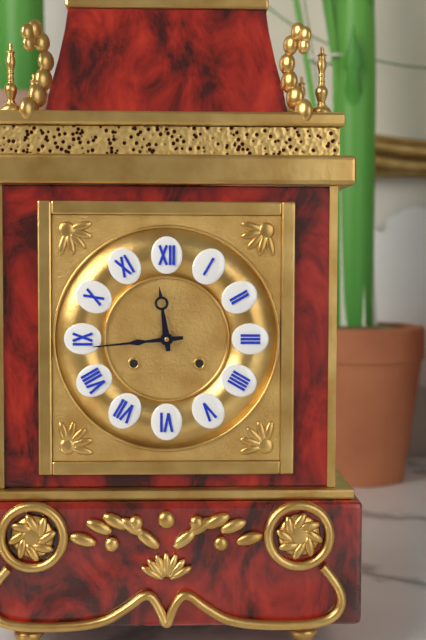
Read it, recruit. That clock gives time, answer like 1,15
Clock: 11,44
